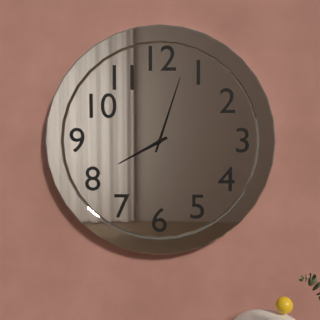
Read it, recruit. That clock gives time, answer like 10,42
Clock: 8,03
